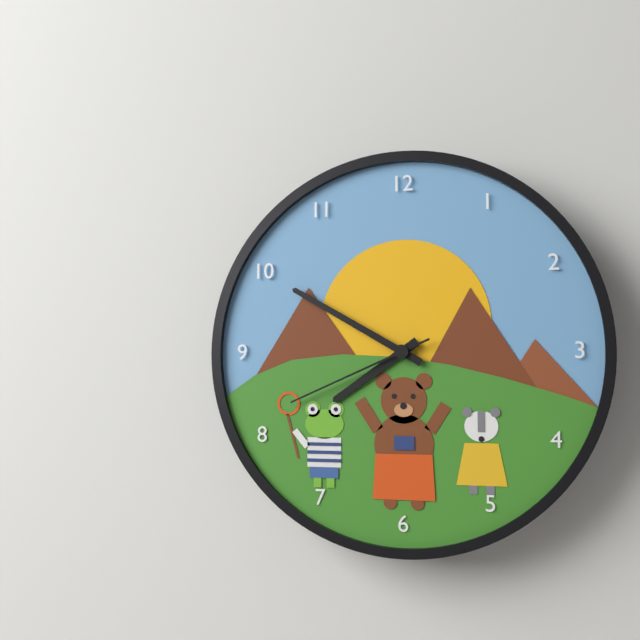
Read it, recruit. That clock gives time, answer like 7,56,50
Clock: 7,50,41
